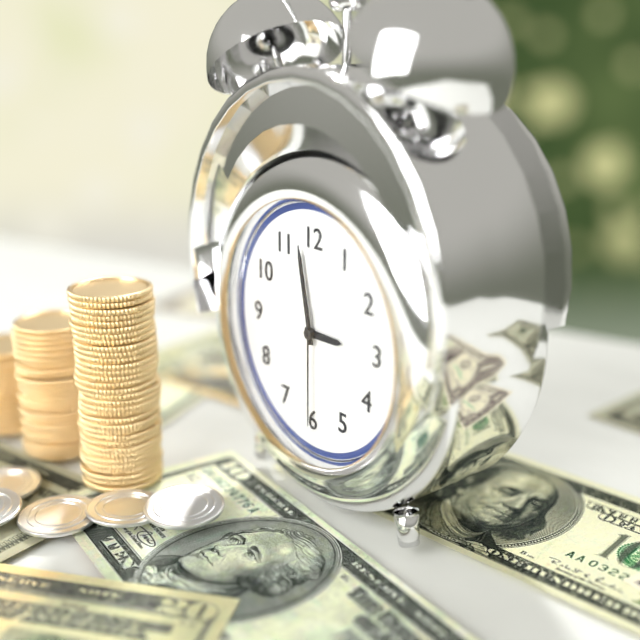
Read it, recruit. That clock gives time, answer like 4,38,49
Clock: 2,58,30
